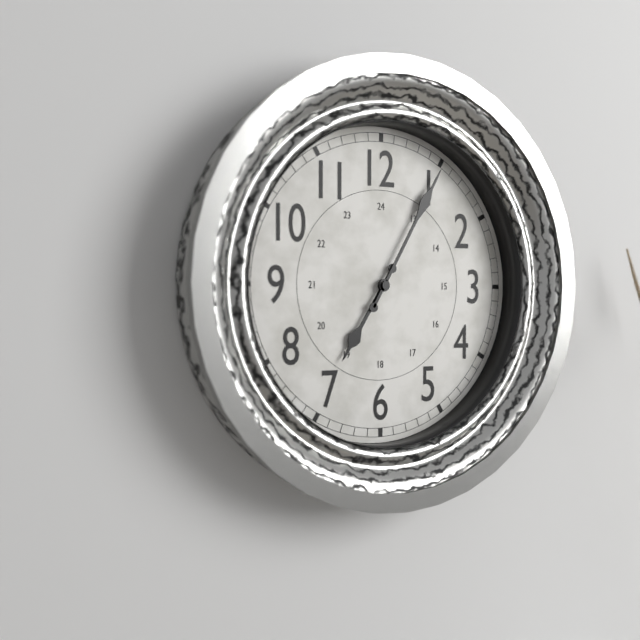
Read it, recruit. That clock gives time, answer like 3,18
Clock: 7,05
